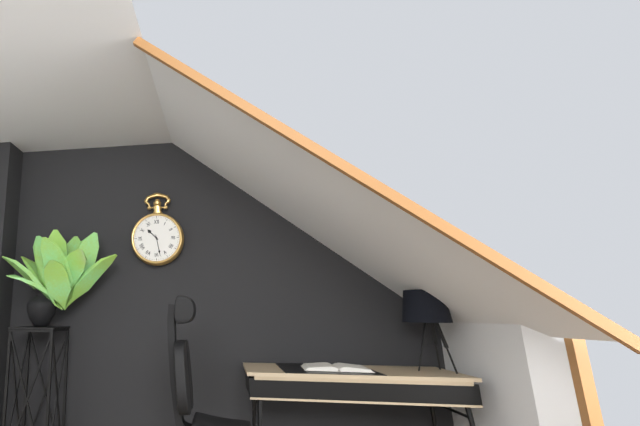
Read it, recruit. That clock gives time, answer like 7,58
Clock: 10,28
